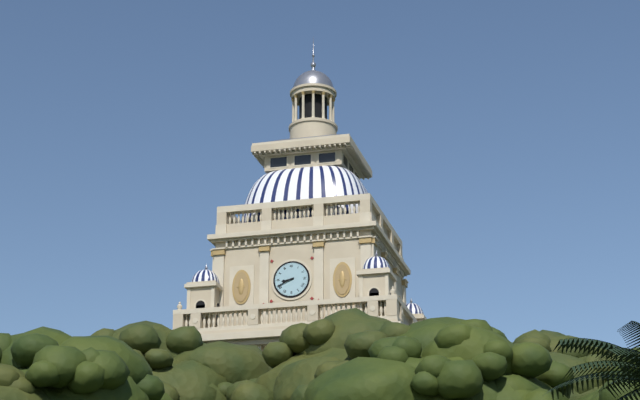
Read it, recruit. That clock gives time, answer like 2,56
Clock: 8,41
